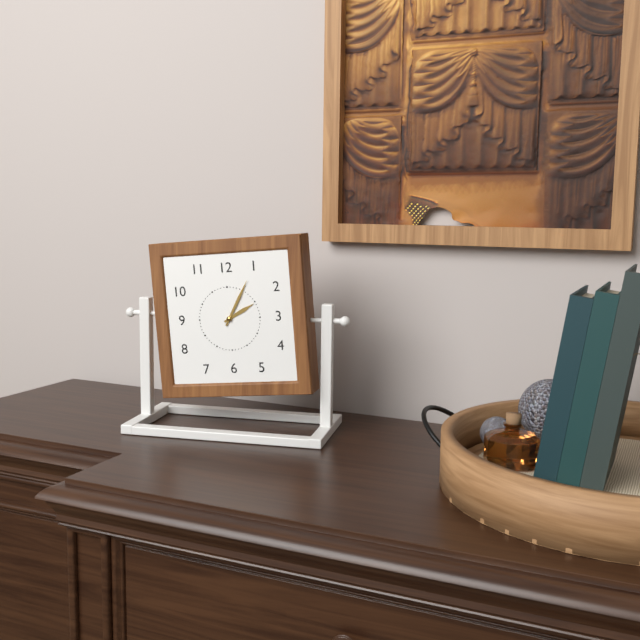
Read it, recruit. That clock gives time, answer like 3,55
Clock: 2,05
